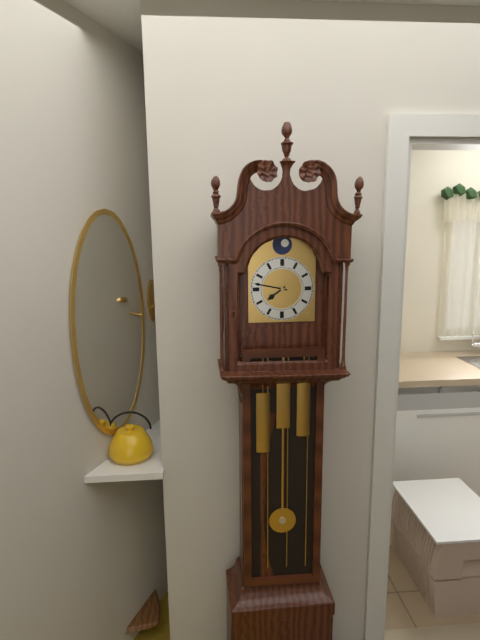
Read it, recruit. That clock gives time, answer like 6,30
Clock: 7,47
